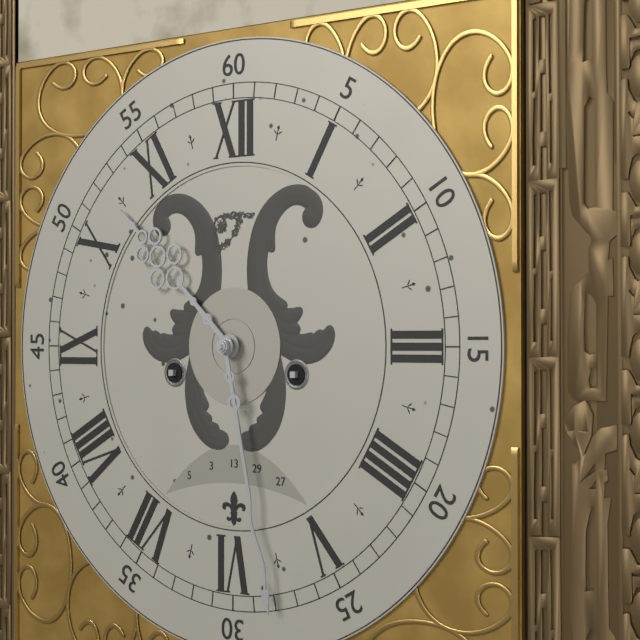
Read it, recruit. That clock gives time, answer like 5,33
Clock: 10,28
